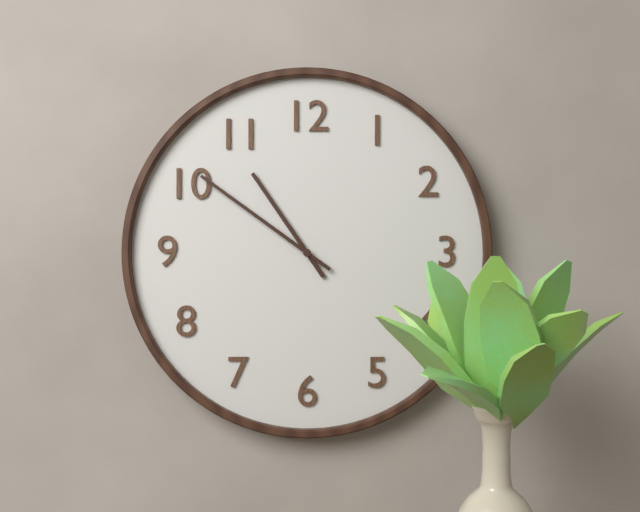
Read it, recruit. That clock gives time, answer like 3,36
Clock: 10,51
